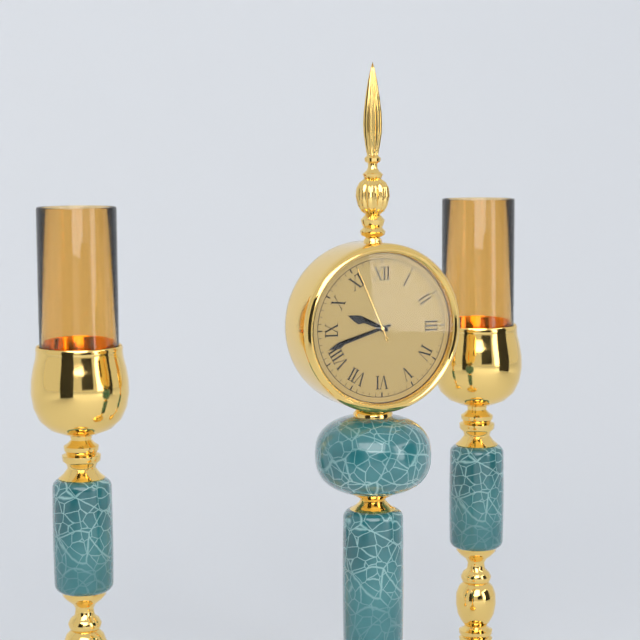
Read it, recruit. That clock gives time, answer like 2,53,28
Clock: 9,42,56
